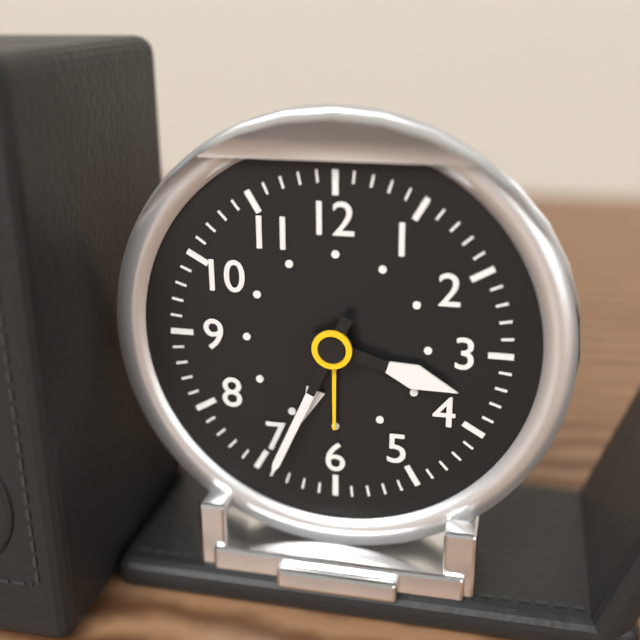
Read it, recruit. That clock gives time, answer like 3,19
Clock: 3,34
